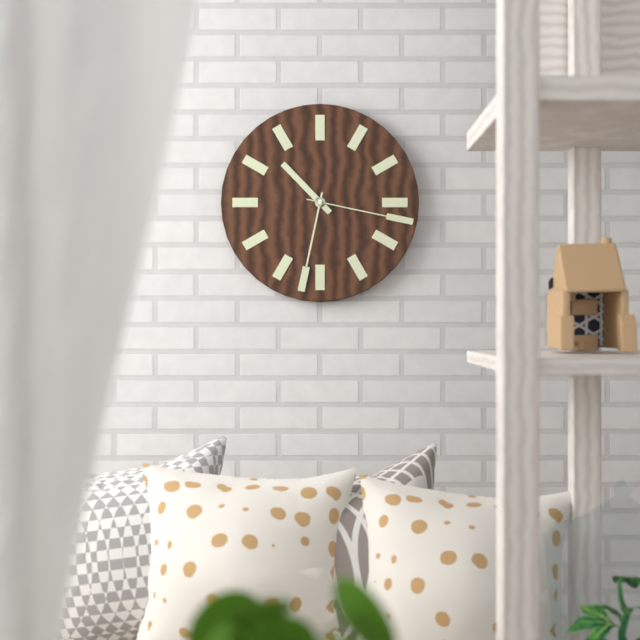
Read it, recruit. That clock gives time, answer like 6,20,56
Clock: 10,32,17
